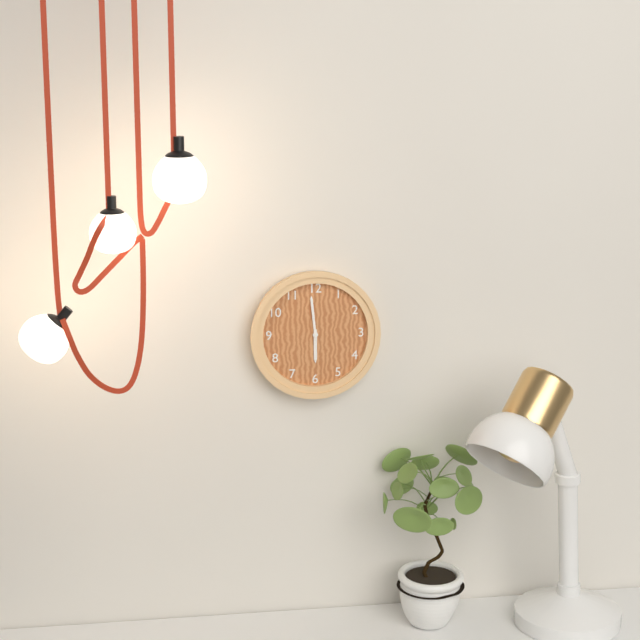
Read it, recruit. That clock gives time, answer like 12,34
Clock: 5,59
